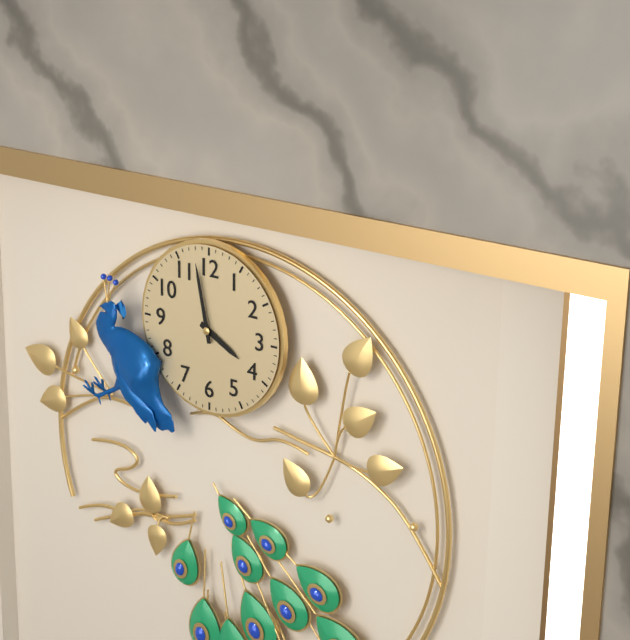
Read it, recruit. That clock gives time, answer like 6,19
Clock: 3,58
